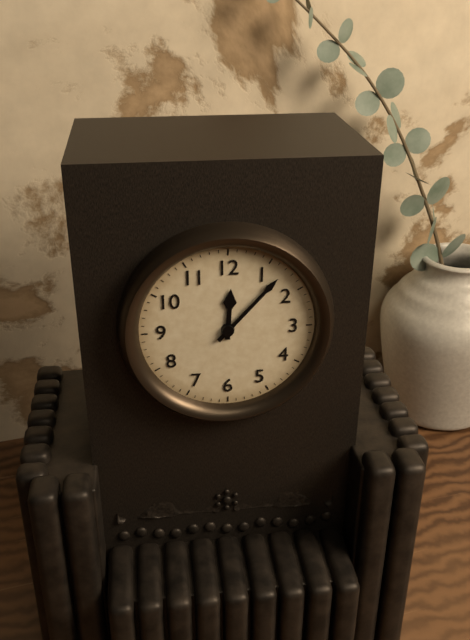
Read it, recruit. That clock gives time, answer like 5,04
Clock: 12,07
